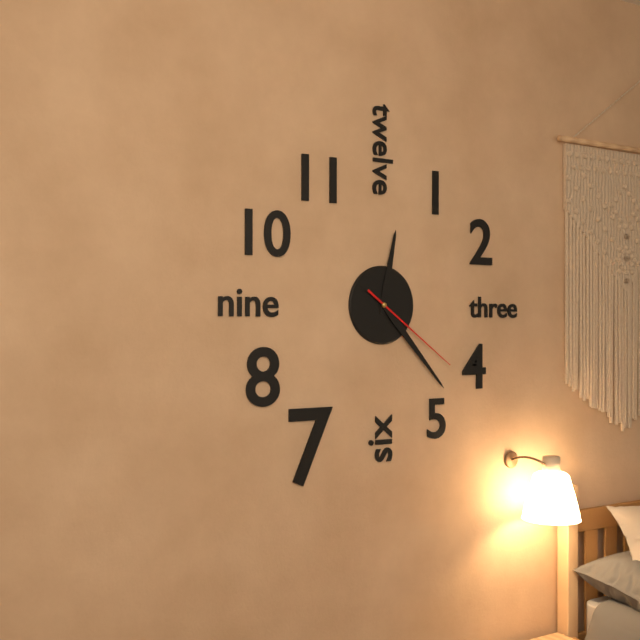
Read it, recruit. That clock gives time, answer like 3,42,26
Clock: 12,23,21
